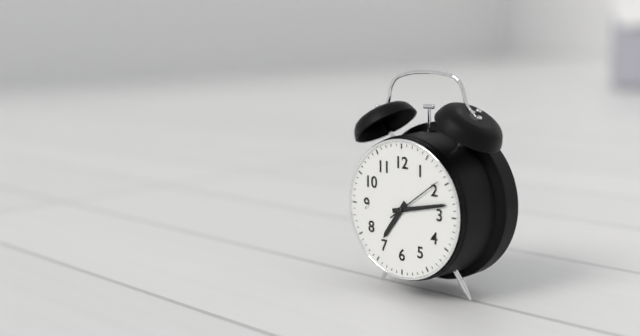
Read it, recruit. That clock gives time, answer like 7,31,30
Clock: 7,13,09
